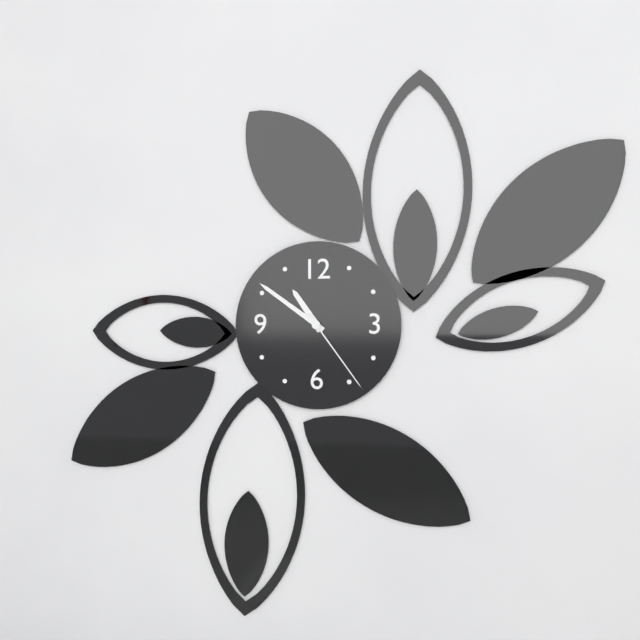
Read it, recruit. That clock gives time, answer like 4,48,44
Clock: 10,51,24
